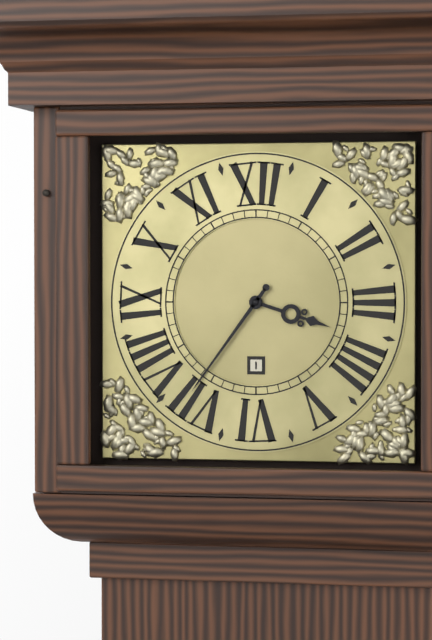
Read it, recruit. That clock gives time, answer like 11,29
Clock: 3,36
